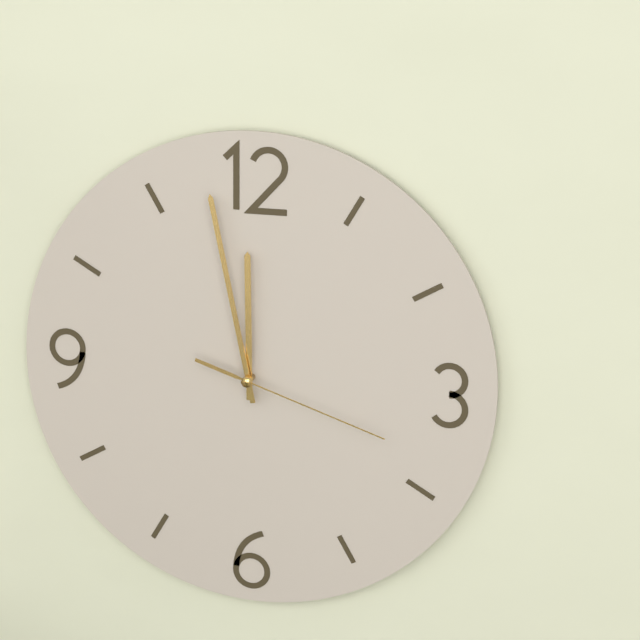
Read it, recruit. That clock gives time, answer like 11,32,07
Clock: 11,58,18
